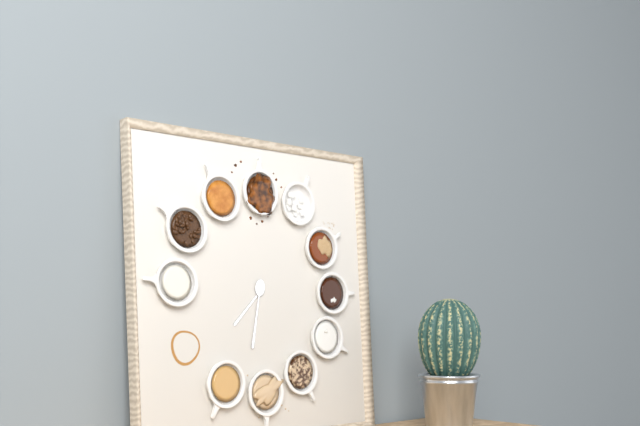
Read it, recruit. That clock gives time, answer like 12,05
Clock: 7,32
